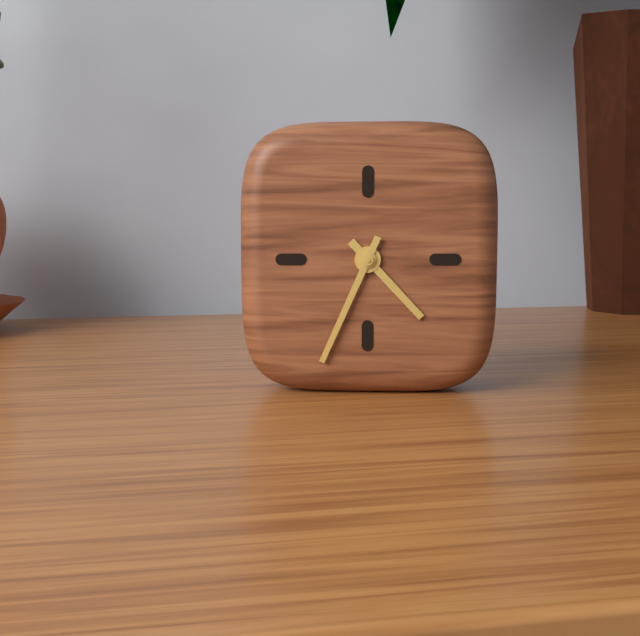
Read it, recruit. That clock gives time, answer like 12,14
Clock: 4,34
